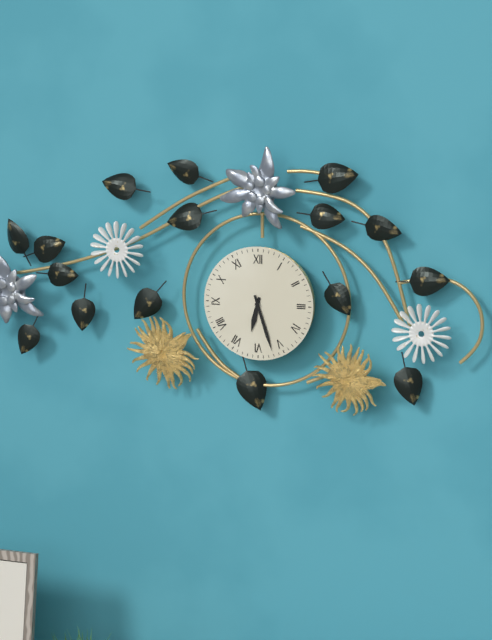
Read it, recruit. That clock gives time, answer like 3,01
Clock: 6,27
